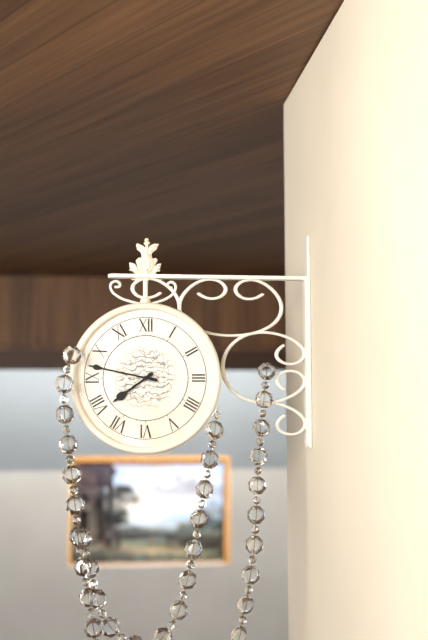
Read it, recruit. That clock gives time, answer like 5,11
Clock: 7,47
